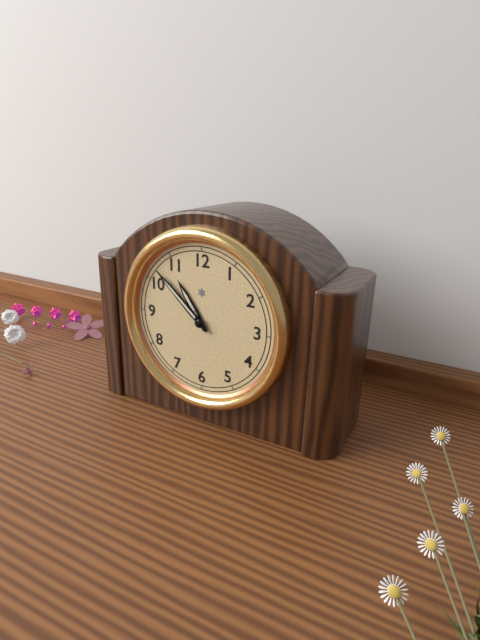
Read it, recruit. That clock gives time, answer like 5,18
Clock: 10,52
